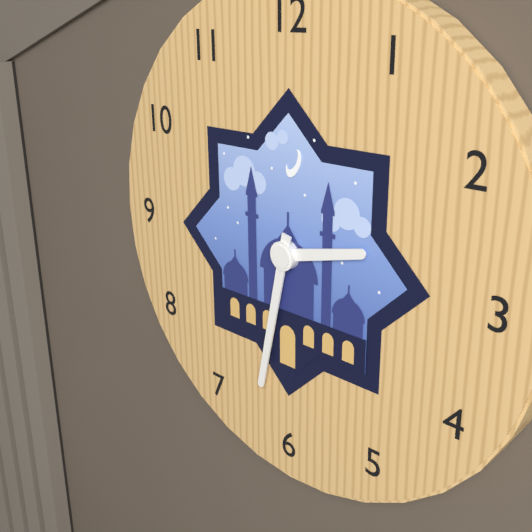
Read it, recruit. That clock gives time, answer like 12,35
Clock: 2,32
